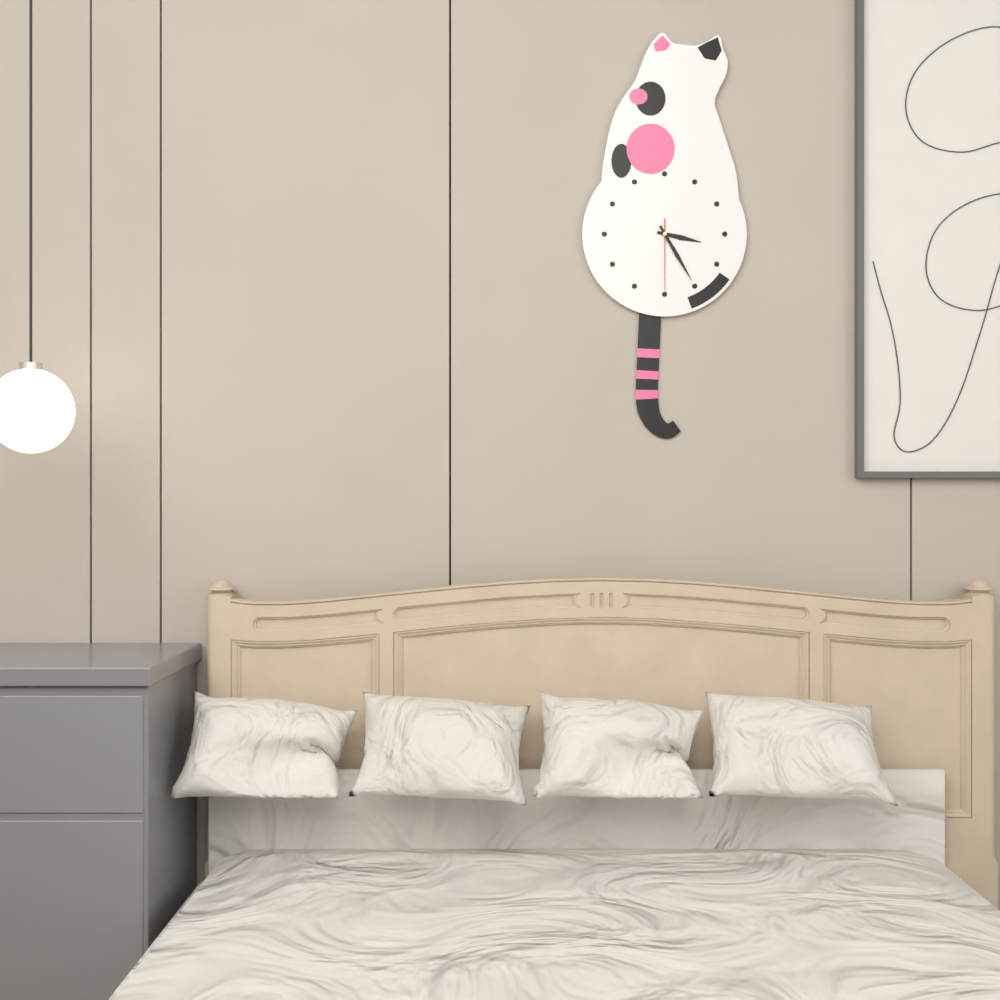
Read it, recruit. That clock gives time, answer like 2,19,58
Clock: 3,25,30
